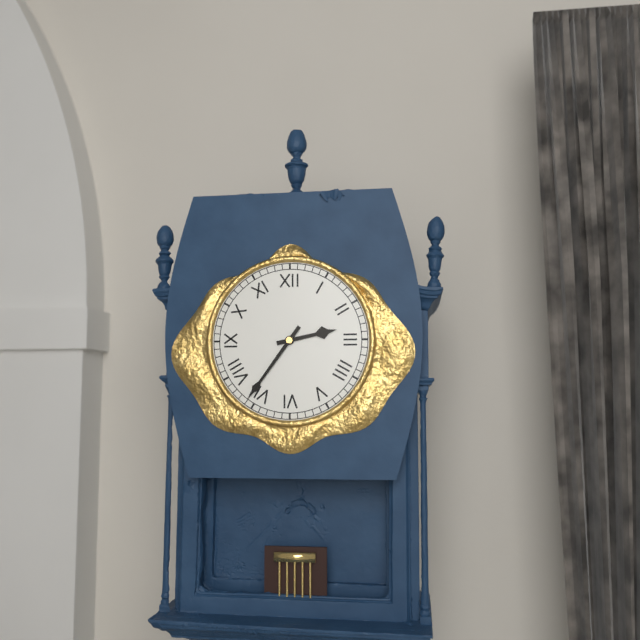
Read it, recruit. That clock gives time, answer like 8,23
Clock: 2,36
